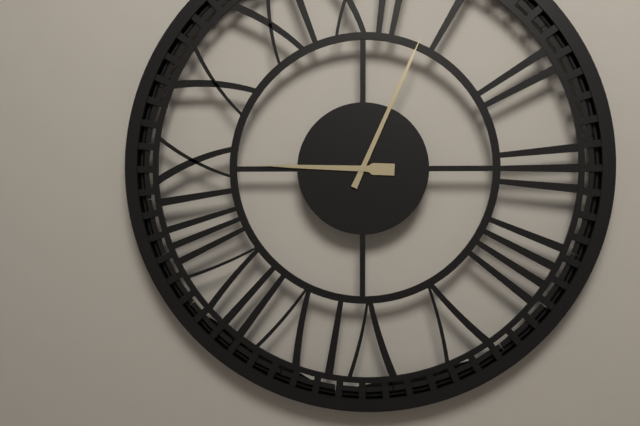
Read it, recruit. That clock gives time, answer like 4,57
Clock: 9,04
